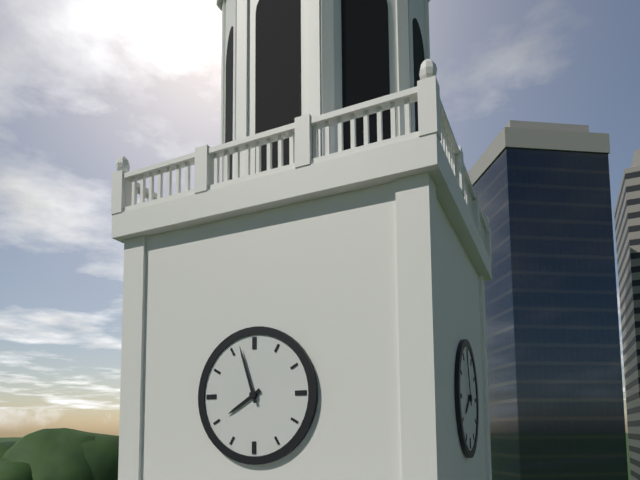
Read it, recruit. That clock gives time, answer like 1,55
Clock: 7,57
